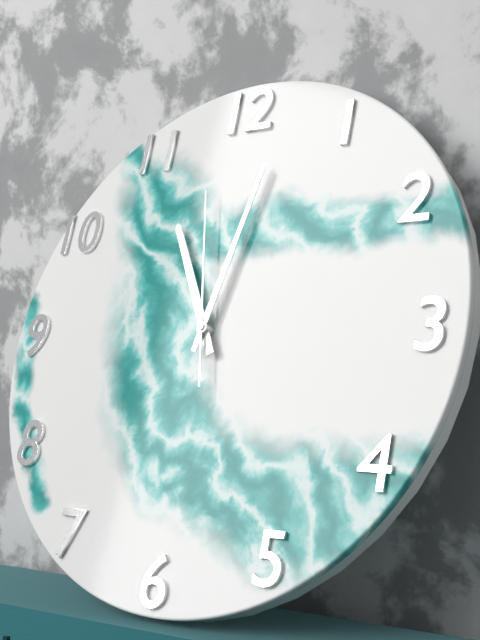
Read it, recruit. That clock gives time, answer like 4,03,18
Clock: 11,02,58
